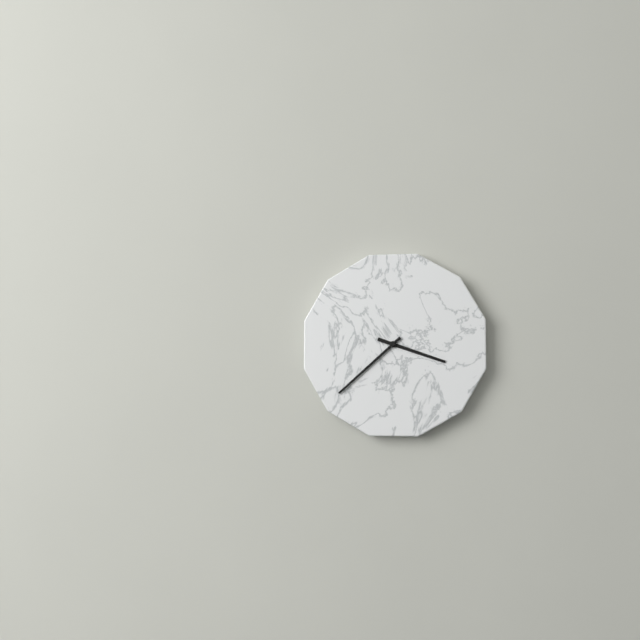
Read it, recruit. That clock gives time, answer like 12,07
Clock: 3,38
